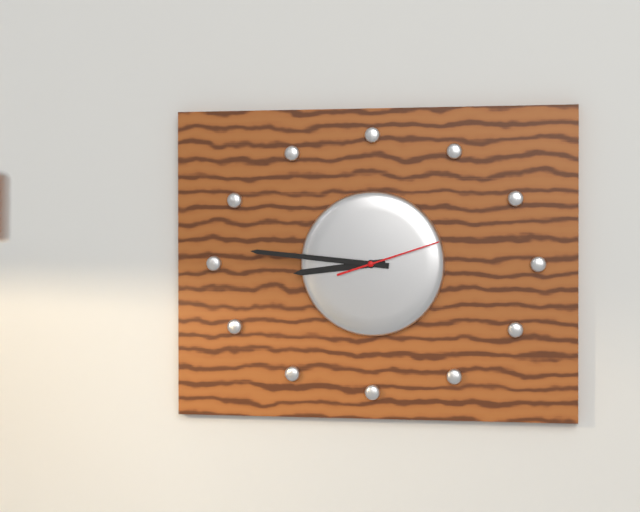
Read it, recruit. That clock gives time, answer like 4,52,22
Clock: 8,46,12
